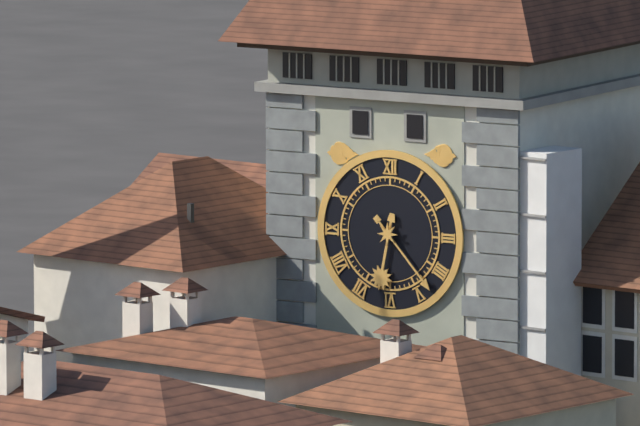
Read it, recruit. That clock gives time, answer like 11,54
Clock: 6,23
